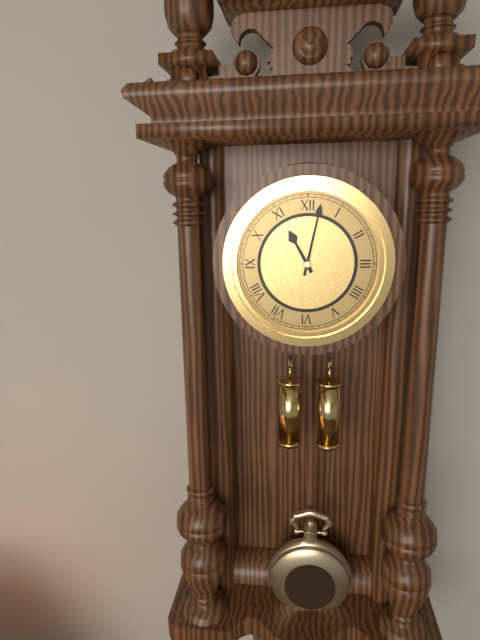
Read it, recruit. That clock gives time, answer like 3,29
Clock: 11,02
